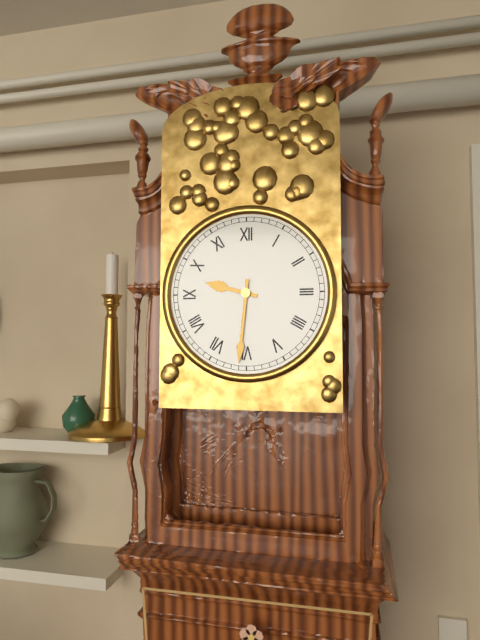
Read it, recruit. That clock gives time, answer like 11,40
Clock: 9,31
